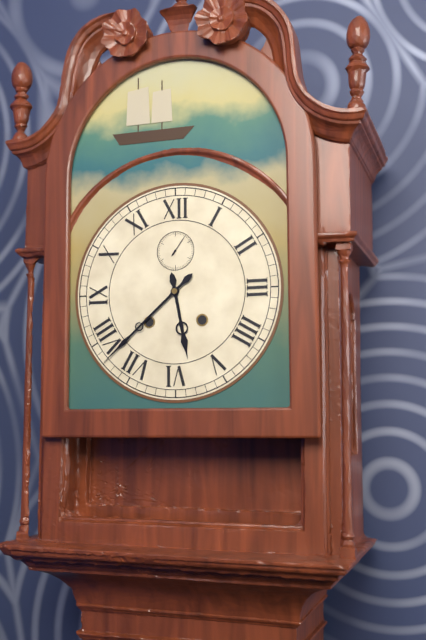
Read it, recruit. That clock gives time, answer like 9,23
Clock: 5,38
